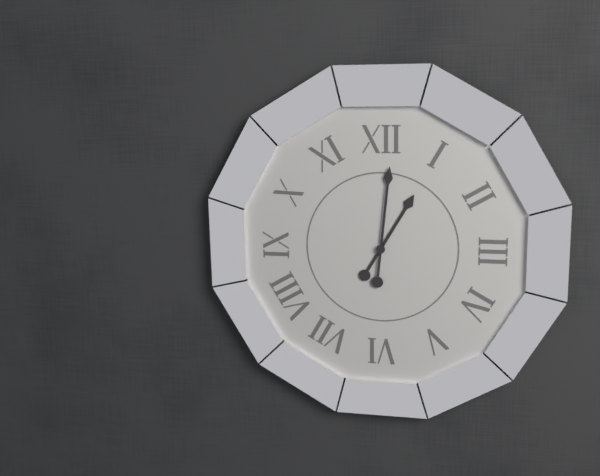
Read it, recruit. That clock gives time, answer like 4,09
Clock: 1,01
